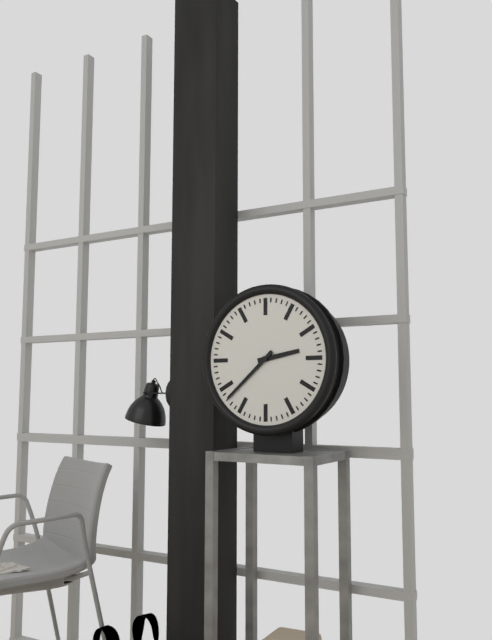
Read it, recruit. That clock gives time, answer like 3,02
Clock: 2,38
